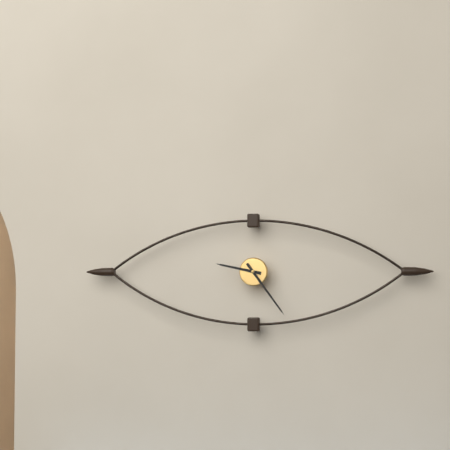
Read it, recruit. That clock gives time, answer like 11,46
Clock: 9,24
